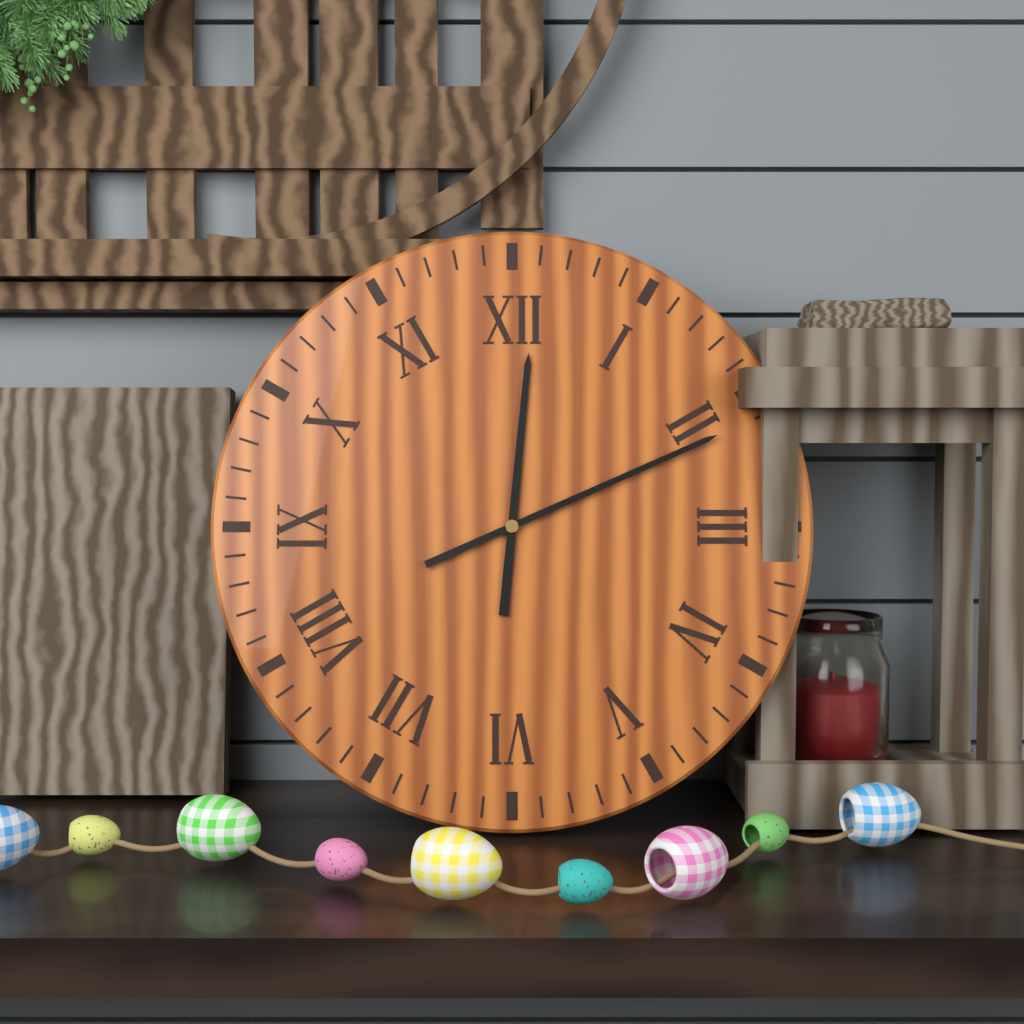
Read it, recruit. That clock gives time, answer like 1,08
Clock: 12,11
